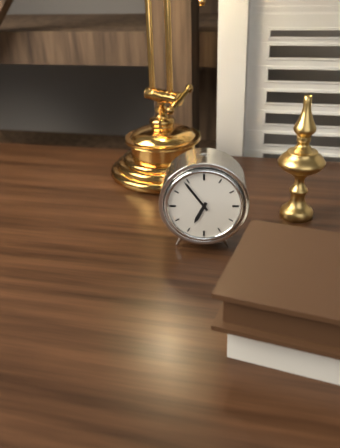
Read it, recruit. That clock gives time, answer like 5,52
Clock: 6,54
